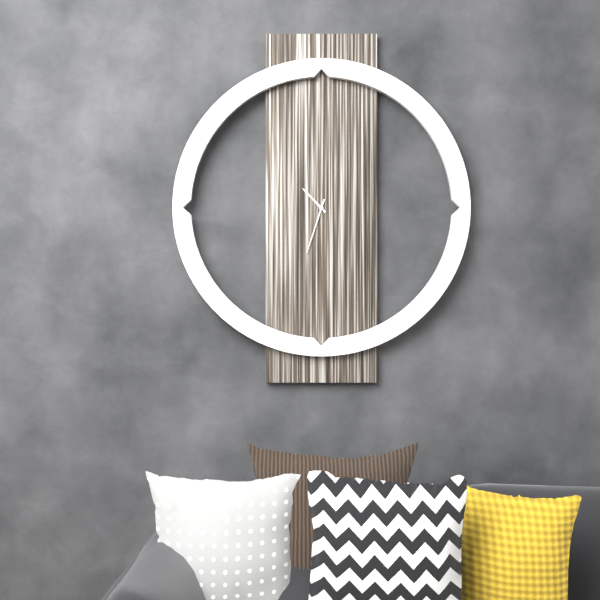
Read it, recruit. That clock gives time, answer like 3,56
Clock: 10,33
